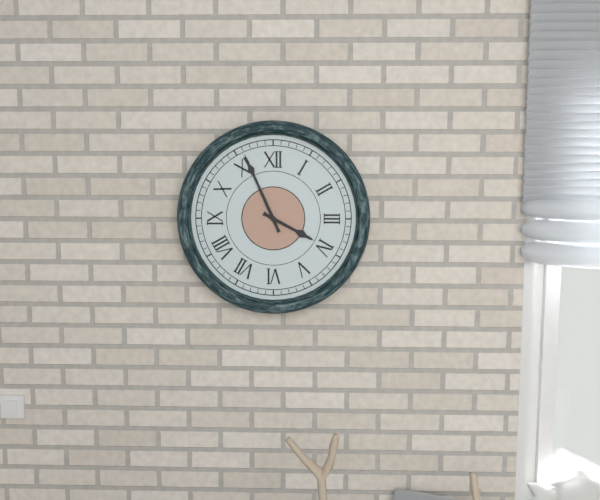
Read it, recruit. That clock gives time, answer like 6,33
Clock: 3,56
